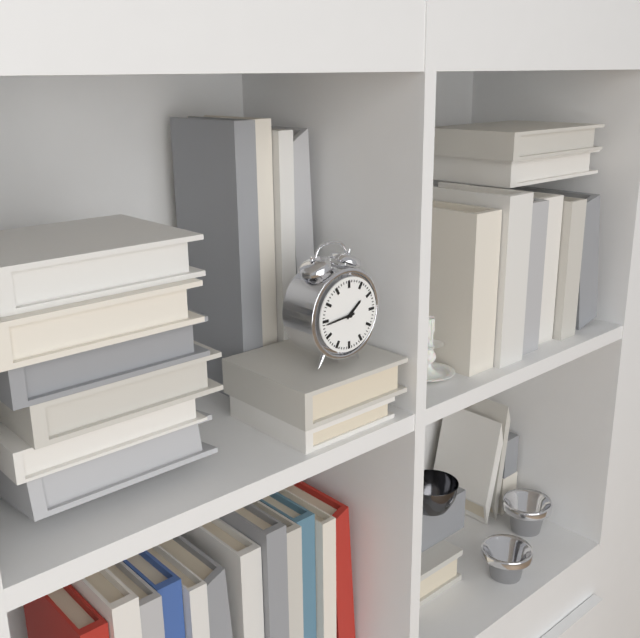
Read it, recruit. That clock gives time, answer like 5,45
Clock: 1,44
